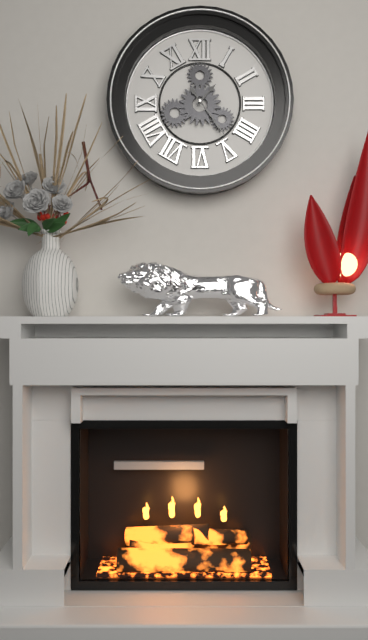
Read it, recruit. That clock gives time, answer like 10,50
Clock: 1,24
